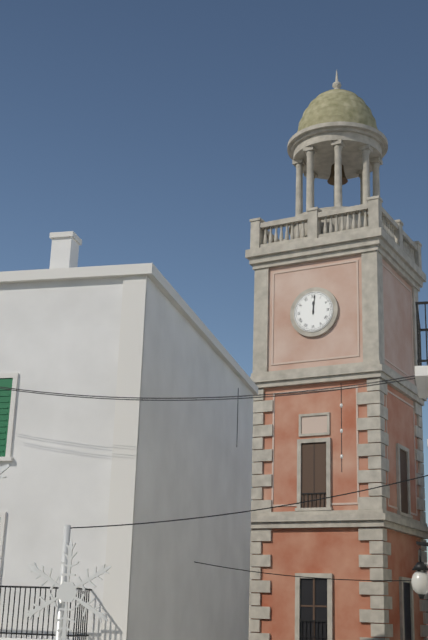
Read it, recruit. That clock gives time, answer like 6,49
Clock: 12,01
